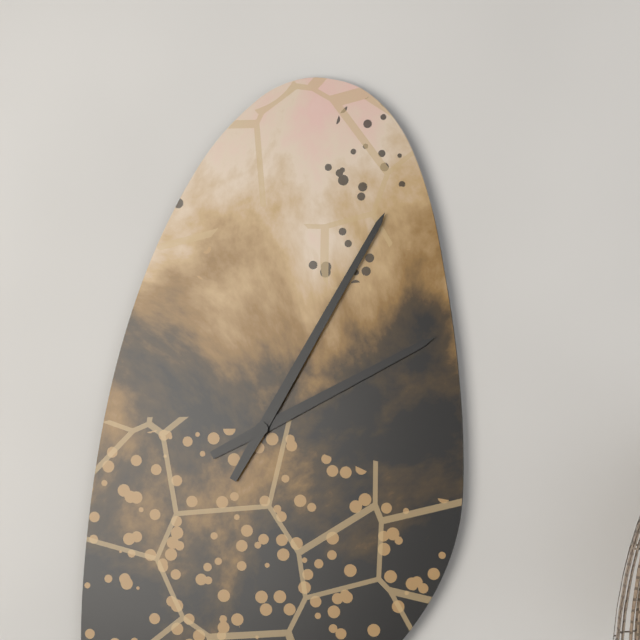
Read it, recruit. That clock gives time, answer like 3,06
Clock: 2,05
